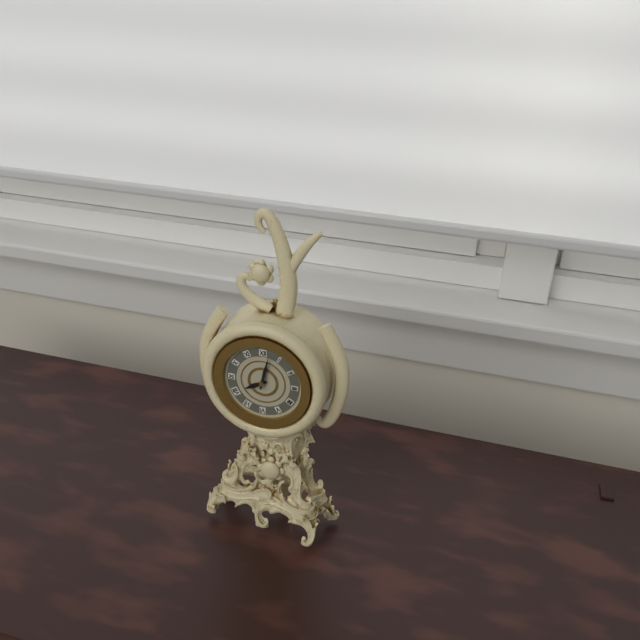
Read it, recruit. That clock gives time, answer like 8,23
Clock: 8,02
